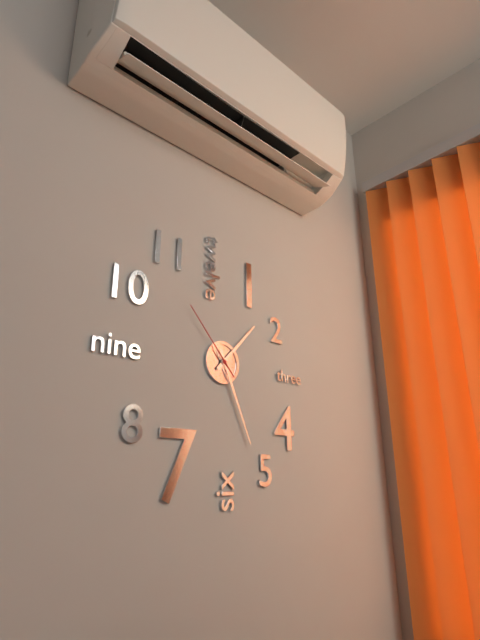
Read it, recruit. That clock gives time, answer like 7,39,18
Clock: 1,26,53
